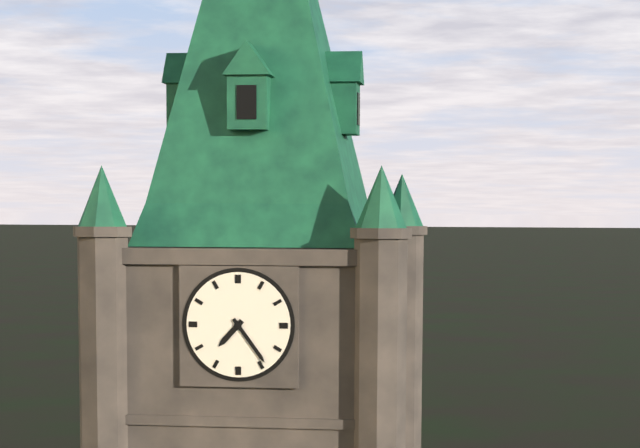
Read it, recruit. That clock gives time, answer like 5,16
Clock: 7,24
